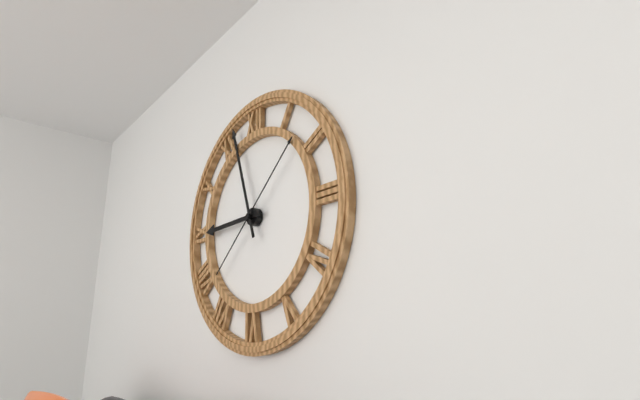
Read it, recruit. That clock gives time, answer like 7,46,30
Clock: 8,57,08
